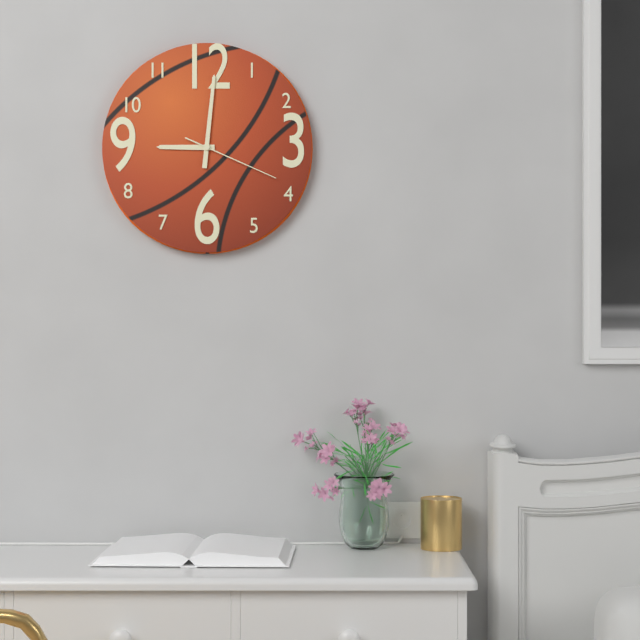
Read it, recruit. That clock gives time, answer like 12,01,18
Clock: 9,01,19
